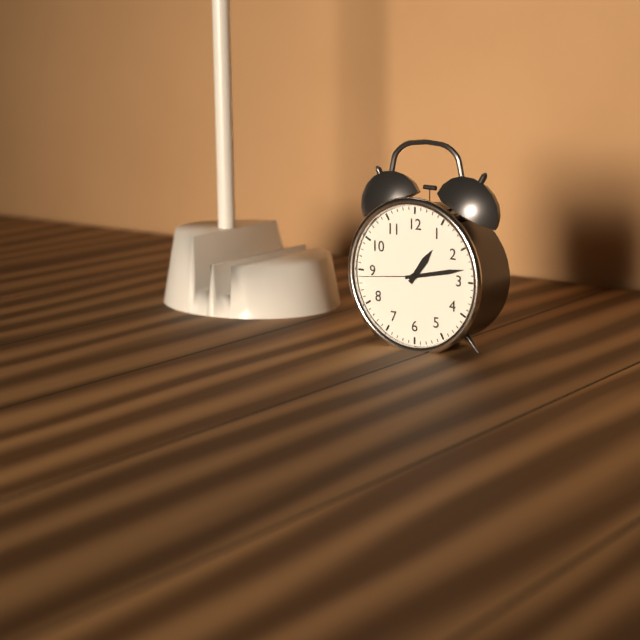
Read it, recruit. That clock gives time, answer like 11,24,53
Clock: 1,13,44
